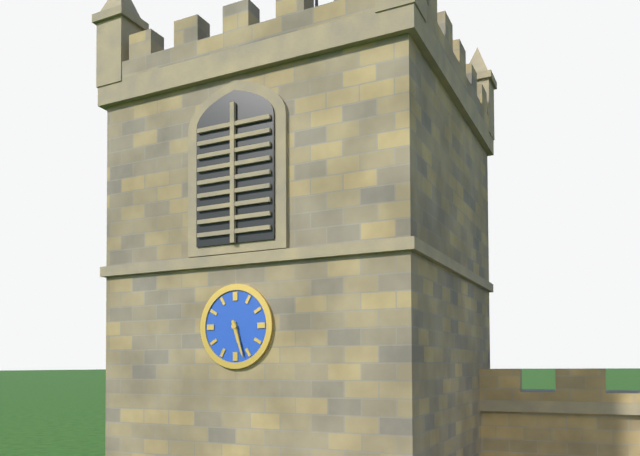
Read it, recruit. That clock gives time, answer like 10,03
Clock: 5,27
